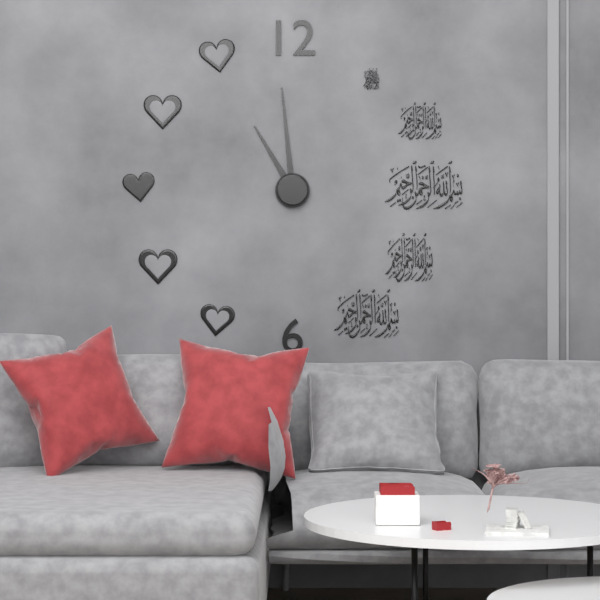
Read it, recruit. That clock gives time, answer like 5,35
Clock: 10,59
